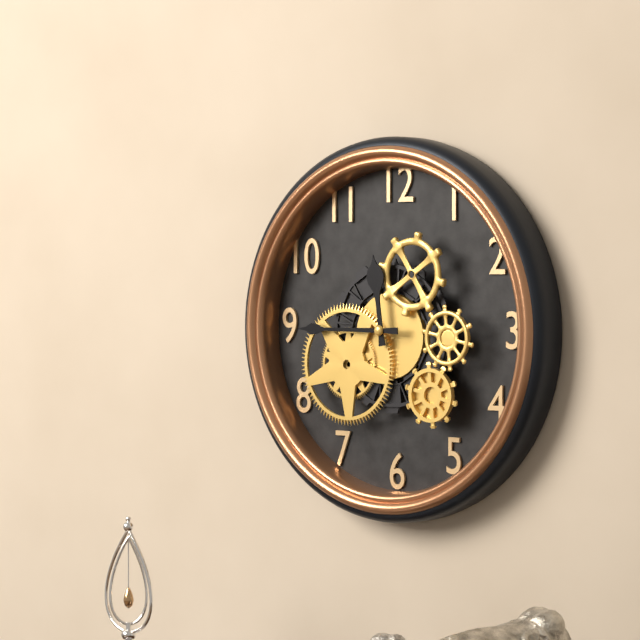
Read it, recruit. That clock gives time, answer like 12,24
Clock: 11,45
